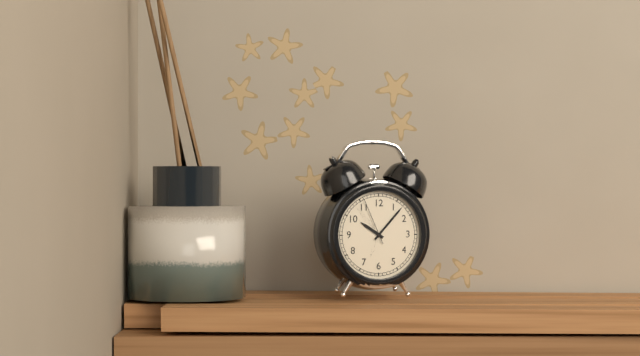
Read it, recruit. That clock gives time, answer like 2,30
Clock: 10,07
